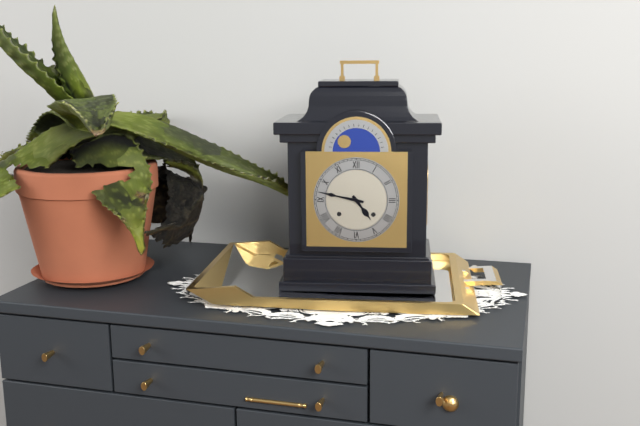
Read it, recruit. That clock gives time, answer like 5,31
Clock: 4,47
